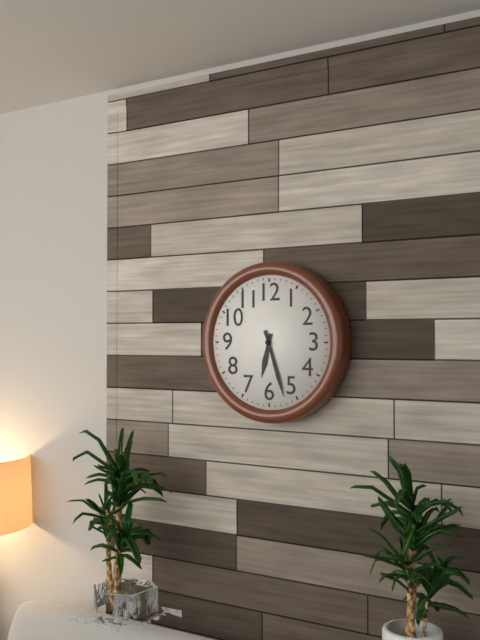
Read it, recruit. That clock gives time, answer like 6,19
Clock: 6,27
